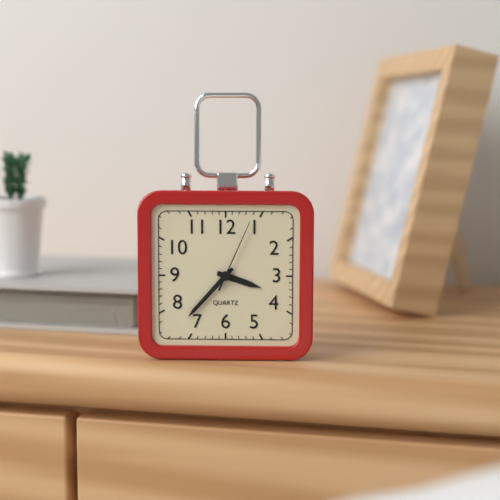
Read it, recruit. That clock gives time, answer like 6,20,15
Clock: 3,37,04
